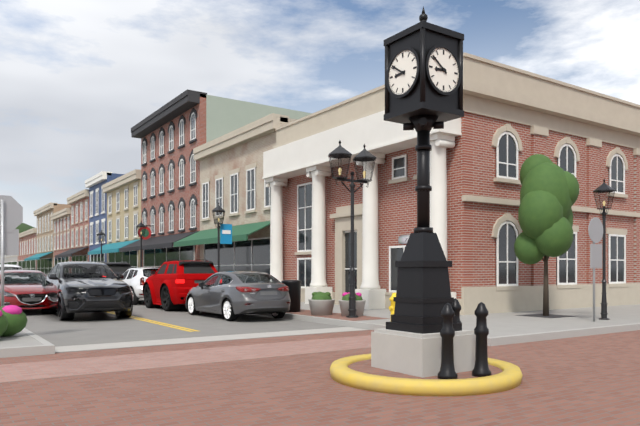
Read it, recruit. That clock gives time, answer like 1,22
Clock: 8,51
